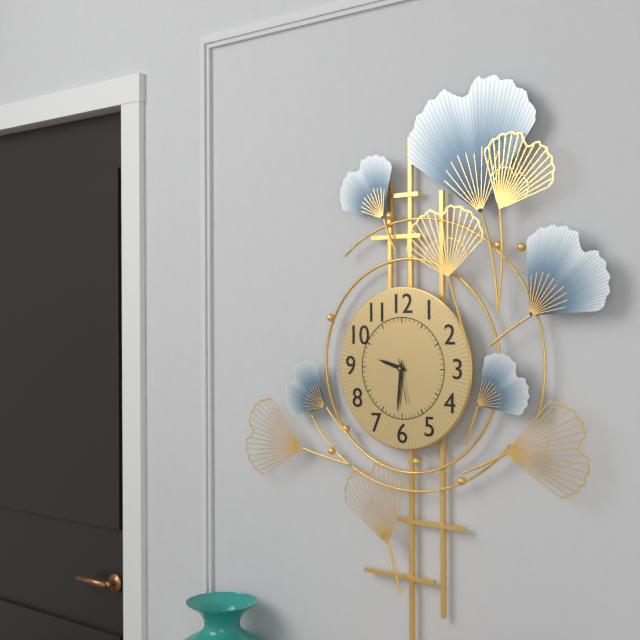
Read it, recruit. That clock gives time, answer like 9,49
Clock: 9,31
